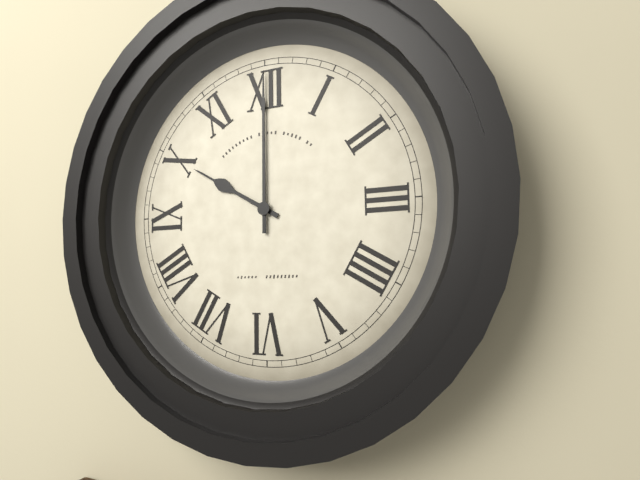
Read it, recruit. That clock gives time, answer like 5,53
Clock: 10,00
